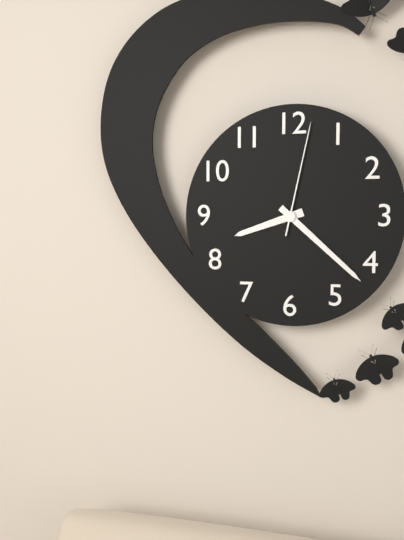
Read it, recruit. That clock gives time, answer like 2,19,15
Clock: 8,22,02
